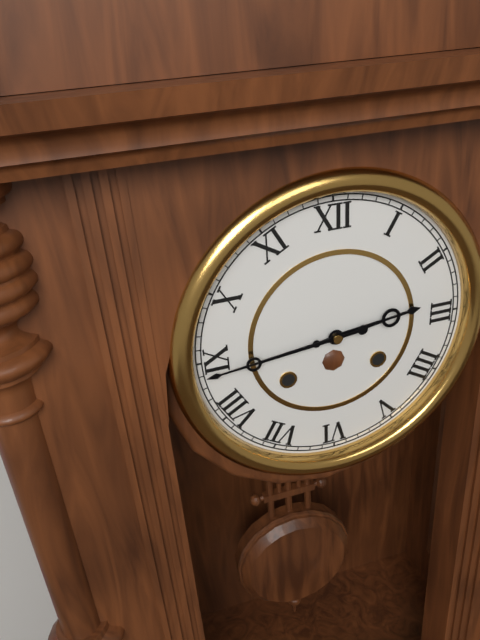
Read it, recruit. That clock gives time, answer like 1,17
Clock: 2,44
